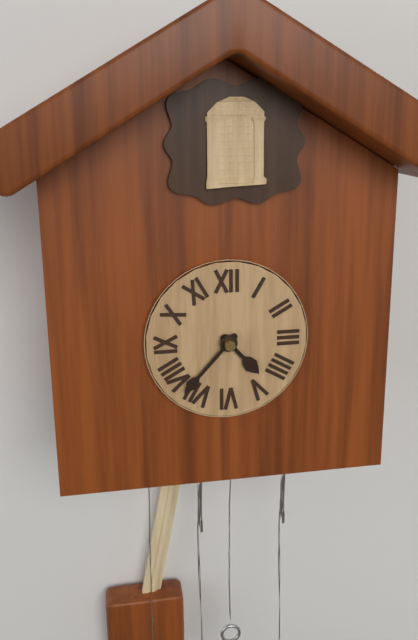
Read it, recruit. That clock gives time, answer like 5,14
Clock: 4,37
